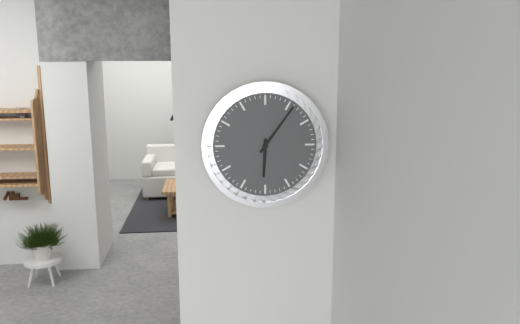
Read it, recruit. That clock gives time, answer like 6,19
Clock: 6,06
